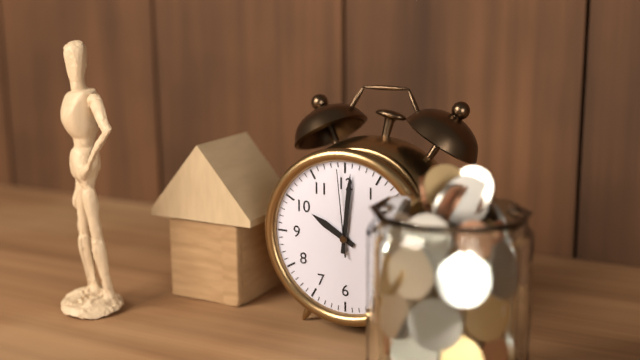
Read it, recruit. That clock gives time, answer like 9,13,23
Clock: 10,01,59
